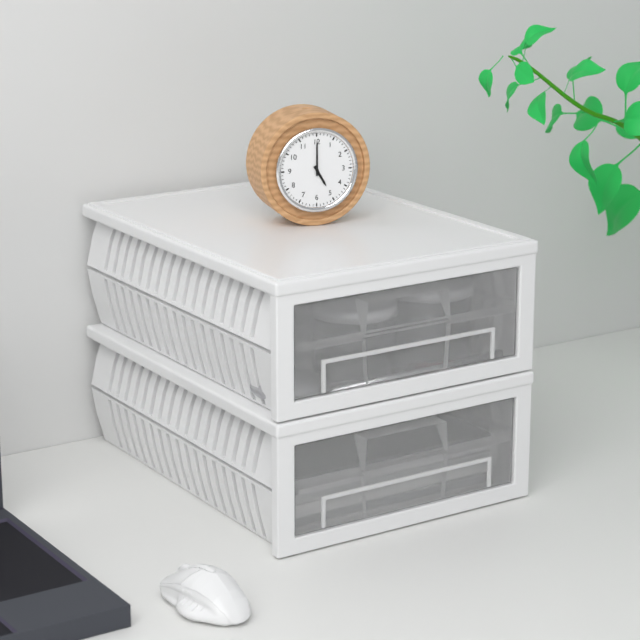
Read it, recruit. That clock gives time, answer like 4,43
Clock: 5,00
